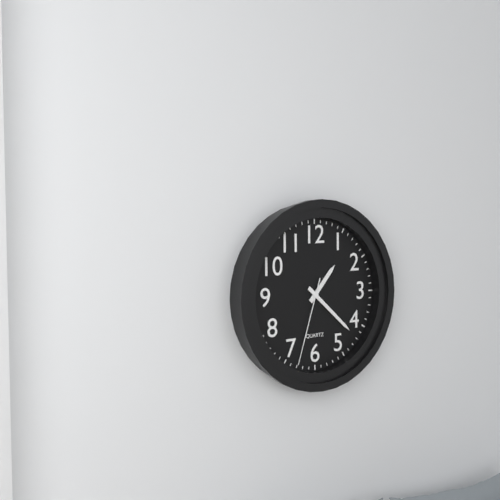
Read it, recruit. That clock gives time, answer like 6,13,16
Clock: 1,22,33
